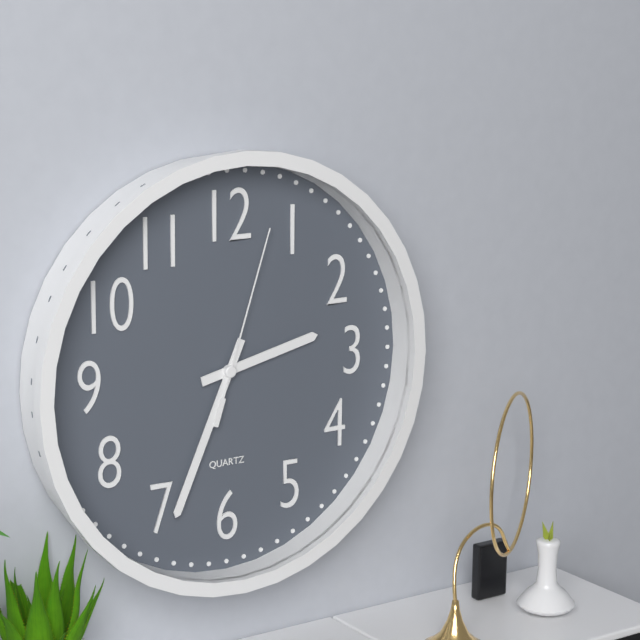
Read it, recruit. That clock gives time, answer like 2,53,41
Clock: 2,34,03
